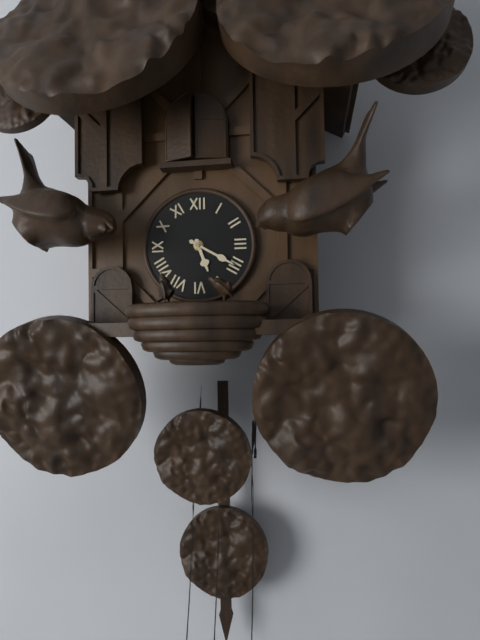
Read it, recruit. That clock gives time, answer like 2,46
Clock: 5,20
